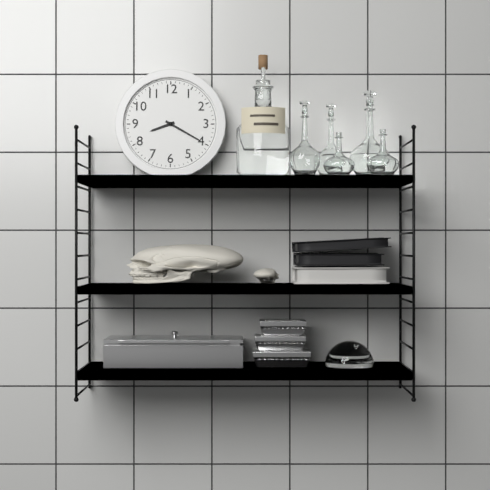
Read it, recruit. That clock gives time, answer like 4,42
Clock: 8,20
